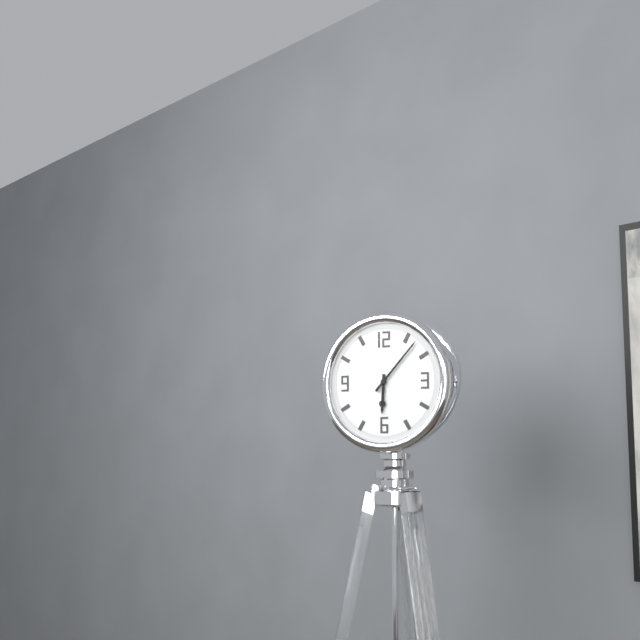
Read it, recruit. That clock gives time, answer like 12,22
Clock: 6,07
